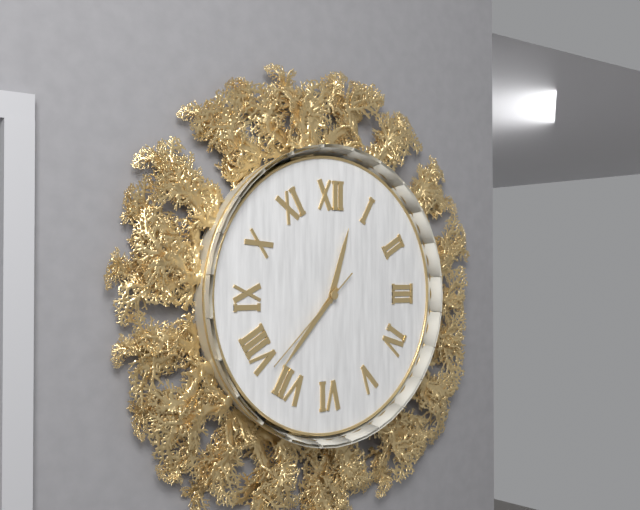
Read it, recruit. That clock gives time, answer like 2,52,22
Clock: 12,37,38
